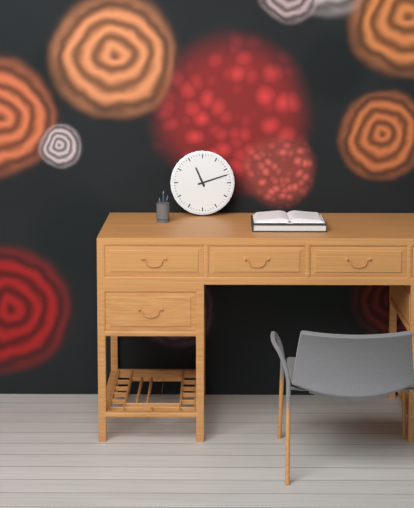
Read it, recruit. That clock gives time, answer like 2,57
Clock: 11,12
